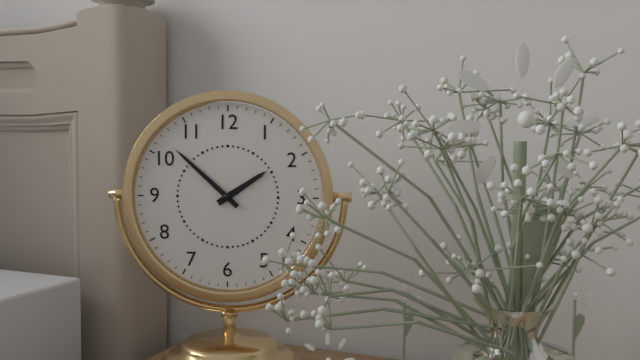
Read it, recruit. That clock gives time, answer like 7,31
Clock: 1,52
